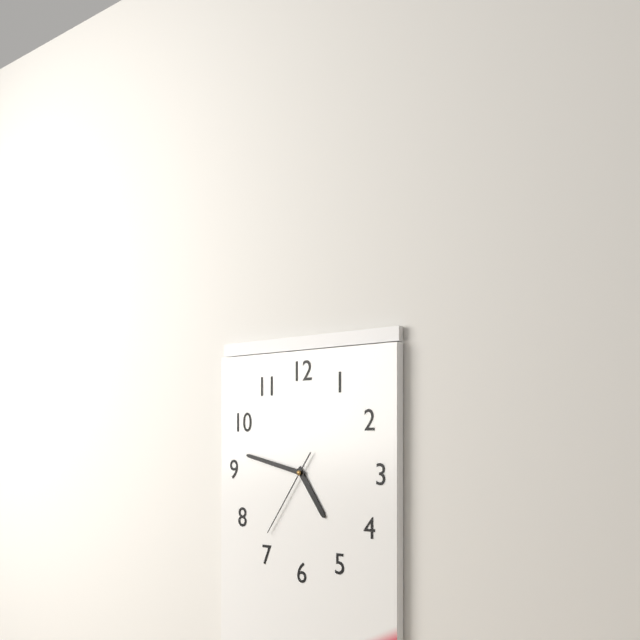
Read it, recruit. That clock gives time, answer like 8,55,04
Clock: 4,47,36
